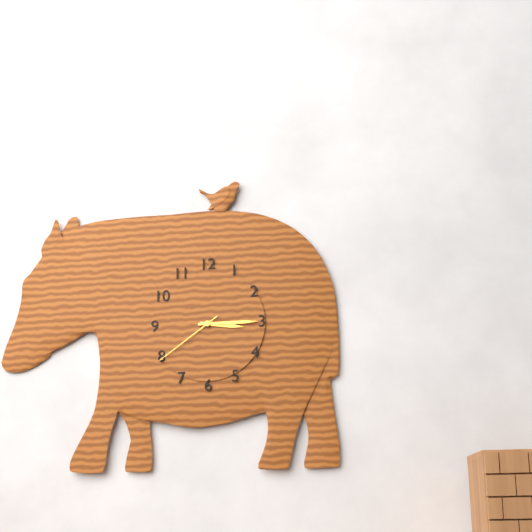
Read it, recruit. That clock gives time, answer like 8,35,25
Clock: 3,15,39
